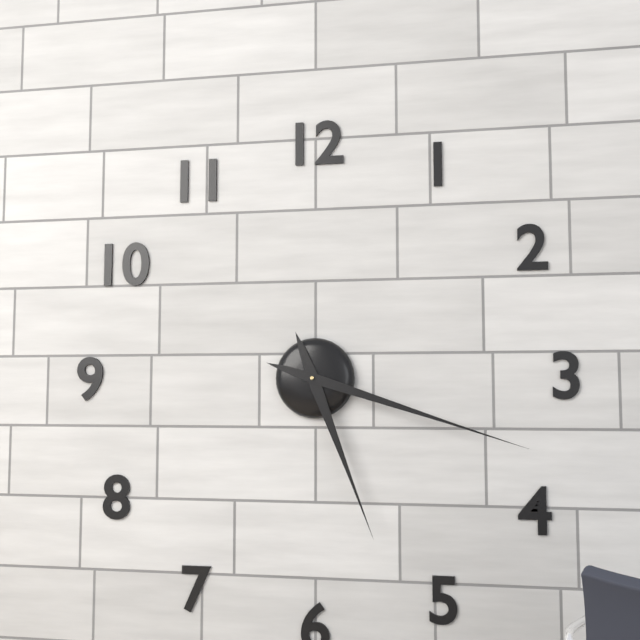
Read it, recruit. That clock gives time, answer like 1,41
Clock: 5,18
